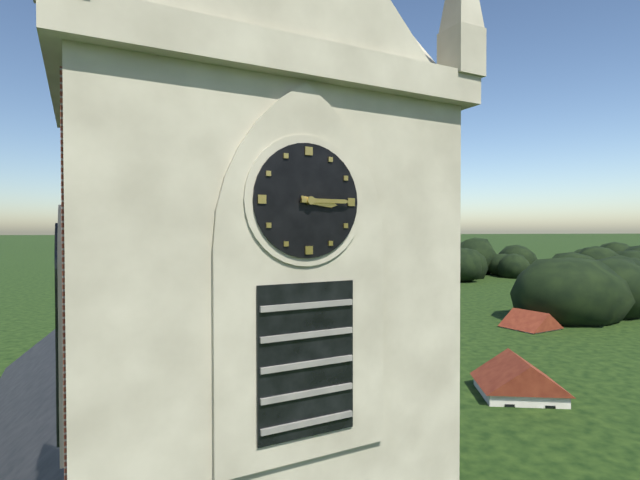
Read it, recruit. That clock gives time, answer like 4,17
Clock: 3,15
